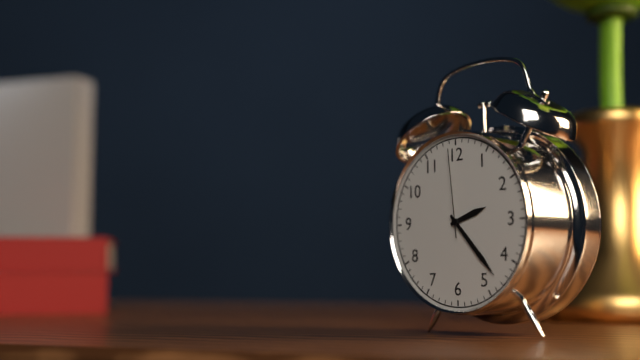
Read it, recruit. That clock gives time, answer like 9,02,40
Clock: 2,23,59
